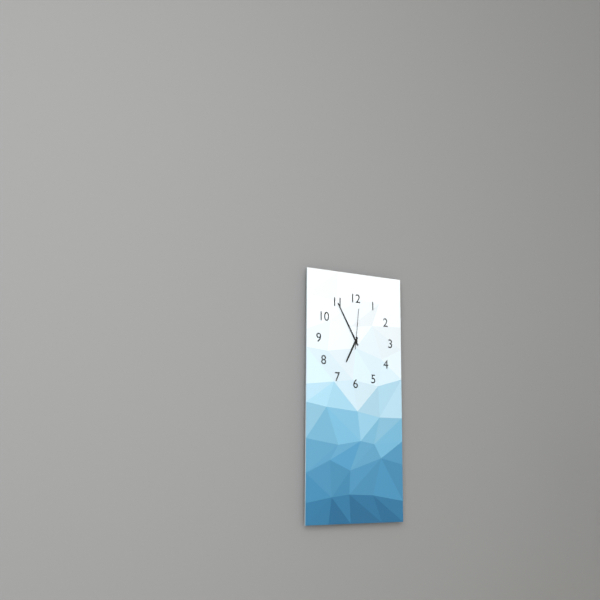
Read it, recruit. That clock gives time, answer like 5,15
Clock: 6,55
